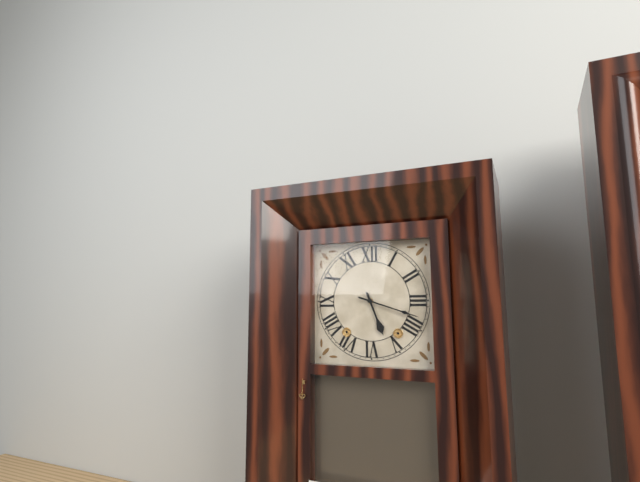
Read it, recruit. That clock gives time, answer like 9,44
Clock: 5,18
